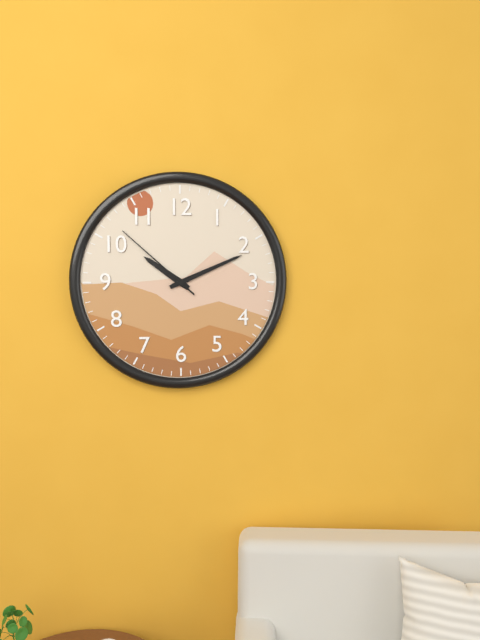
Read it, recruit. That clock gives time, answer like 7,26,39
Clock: 10,11,52
